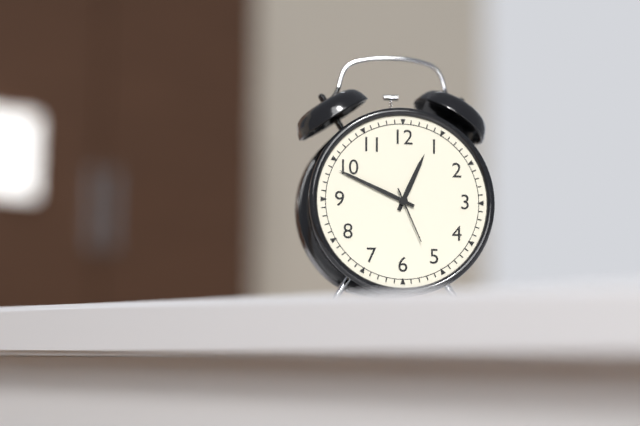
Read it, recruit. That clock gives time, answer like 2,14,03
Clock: 12,49,26
